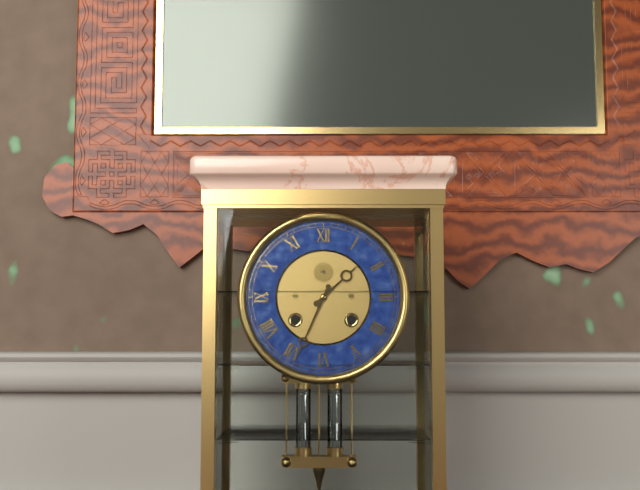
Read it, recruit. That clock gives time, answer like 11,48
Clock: 1,34
